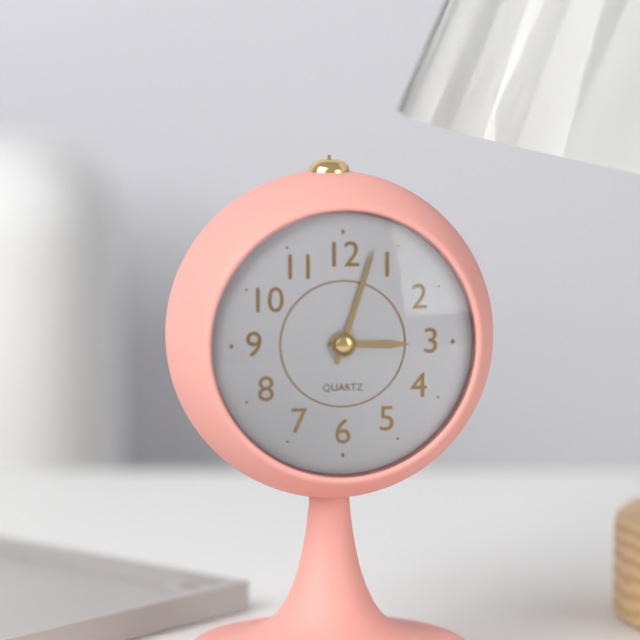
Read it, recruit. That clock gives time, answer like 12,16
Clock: 3,03
